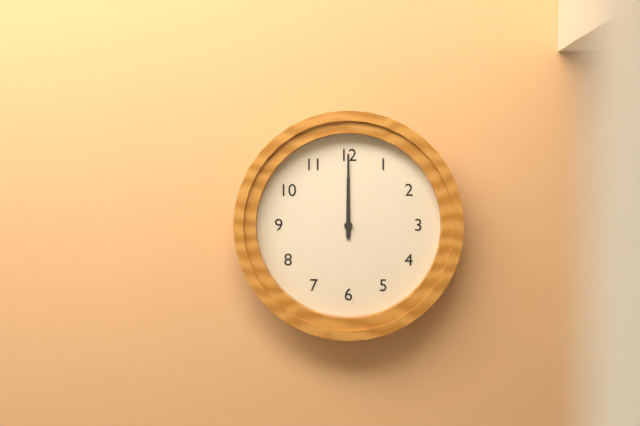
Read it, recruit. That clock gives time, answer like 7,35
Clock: 12,00
